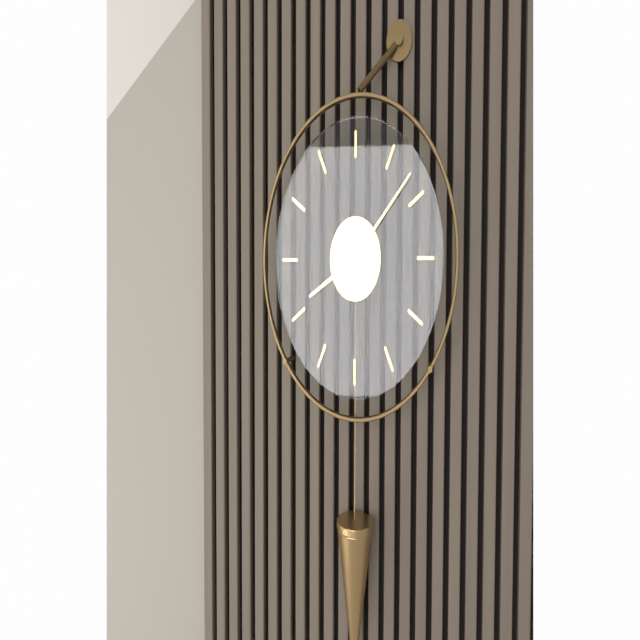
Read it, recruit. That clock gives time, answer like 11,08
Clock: 8,08
